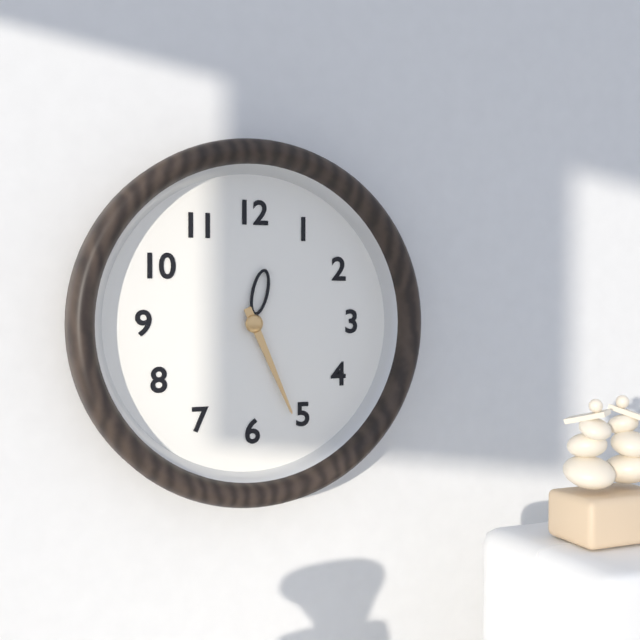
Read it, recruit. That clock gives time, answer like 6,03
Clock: 12,26
